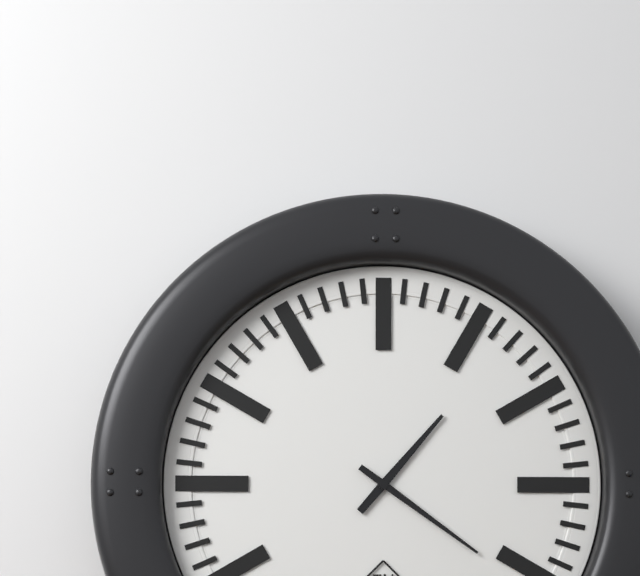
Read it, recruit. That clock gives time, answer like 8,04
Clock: 1,21
